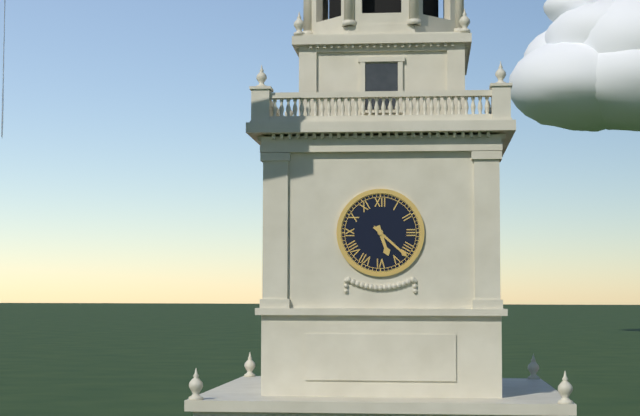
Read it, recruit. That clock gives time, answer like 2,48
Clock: 5,22
